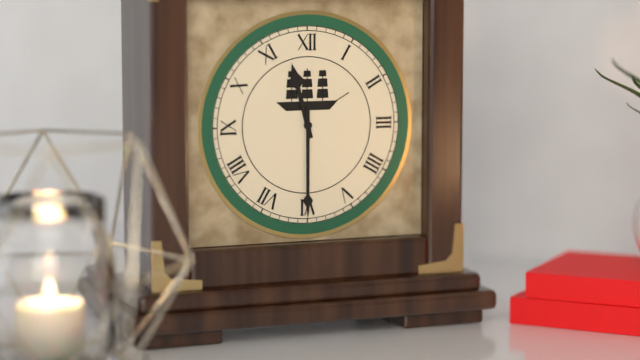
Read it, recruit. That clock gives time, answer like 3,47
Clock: 11,30
